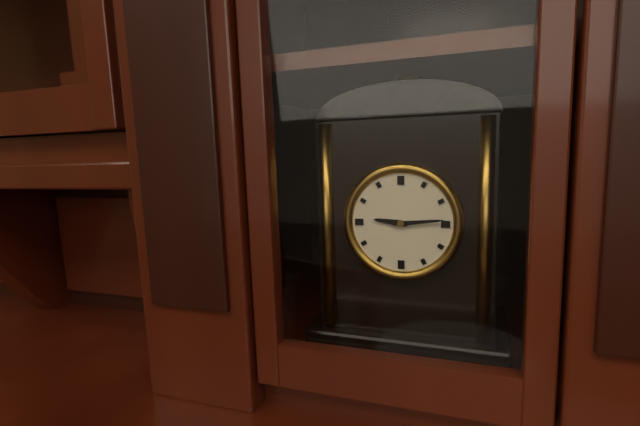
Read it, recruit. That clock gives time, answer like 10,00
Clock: 9,14
